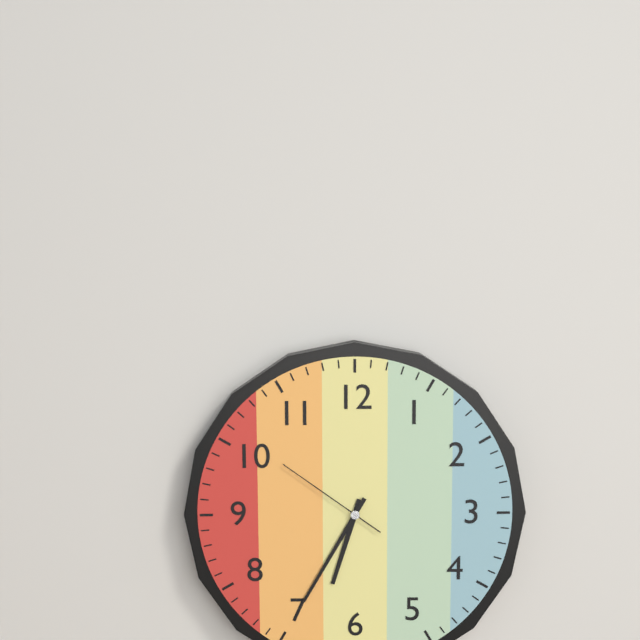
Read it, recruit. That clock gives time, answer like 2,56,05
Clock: 6,35,51
